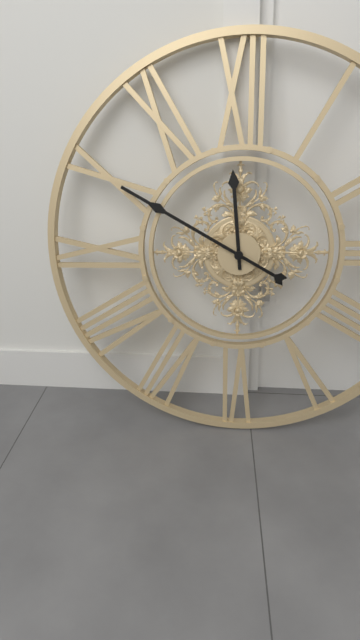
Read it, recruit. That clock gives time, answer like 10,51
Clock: 11,50
